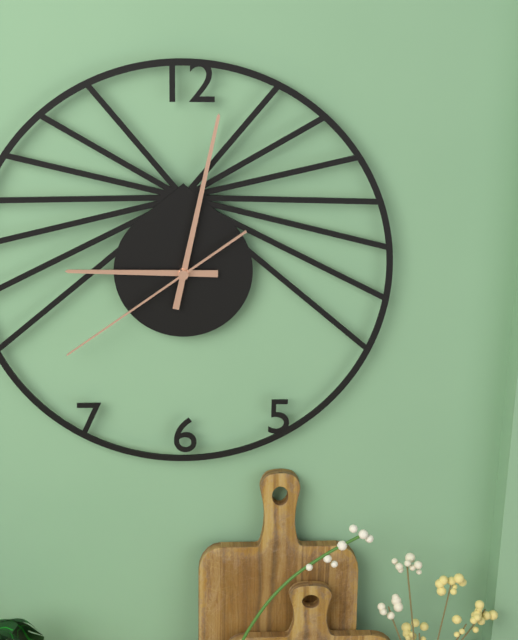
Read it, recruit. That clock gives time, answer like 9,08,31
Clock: 9,02,39
